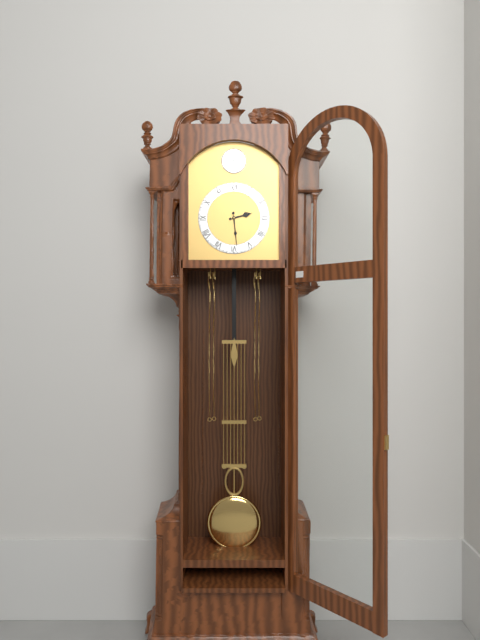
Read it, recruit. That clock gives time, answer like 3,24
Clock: 2,29
